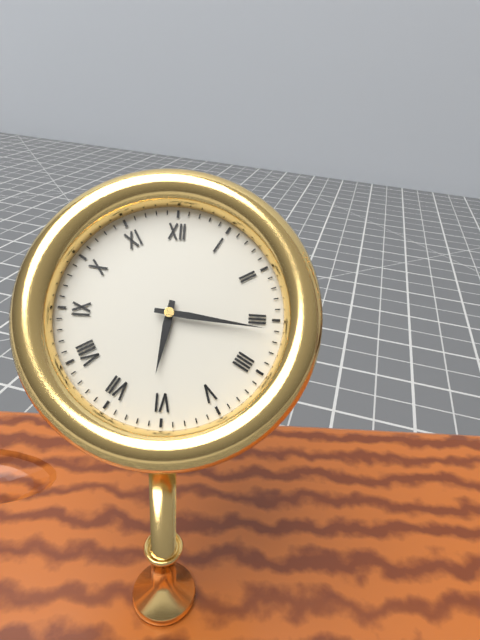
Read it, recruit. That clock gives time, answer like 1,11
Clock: 6,16
